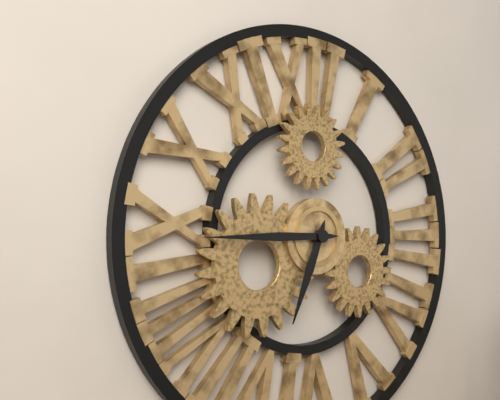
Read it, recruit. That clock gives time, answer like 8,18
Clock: 6,45
